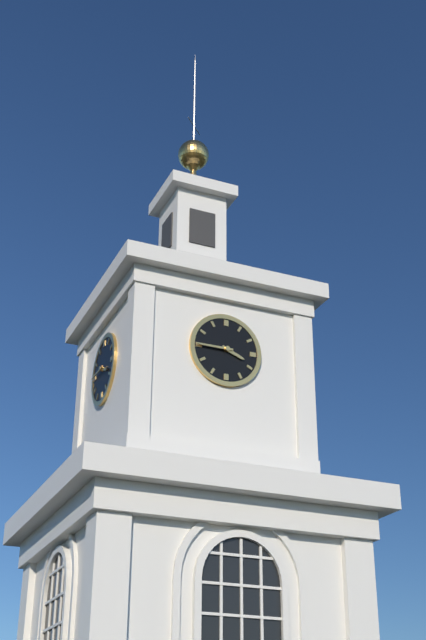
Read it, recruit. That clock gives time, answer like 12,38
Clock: 3,45
